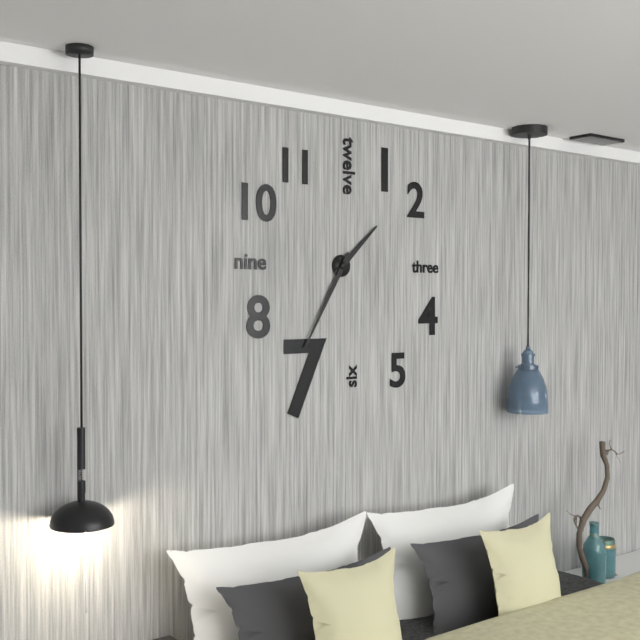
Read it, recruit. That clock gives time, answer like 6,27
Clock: 1,35
